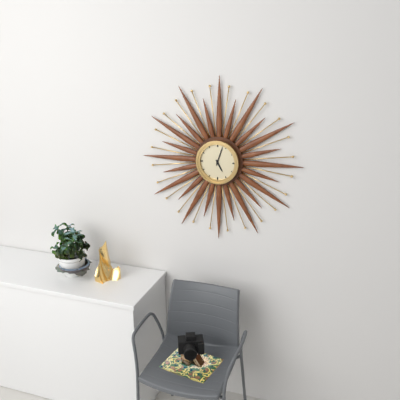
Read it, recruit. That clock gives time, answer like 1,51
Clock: 5,03
